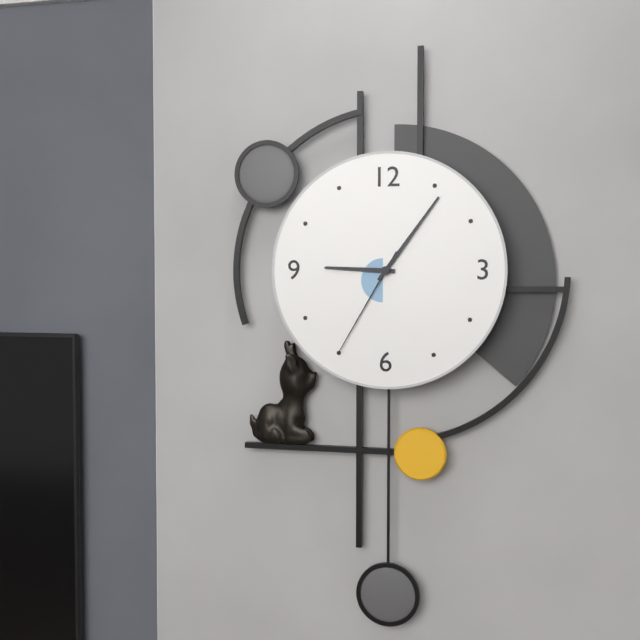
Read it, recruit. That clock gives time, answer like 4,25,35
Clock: 9,06,35
